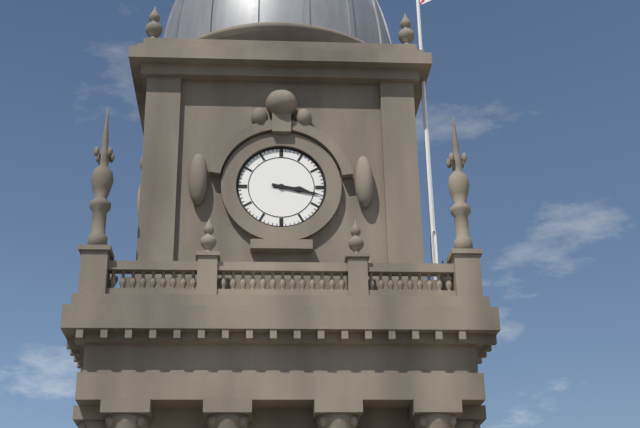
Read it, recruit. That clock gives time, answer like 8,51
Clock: 3,17
